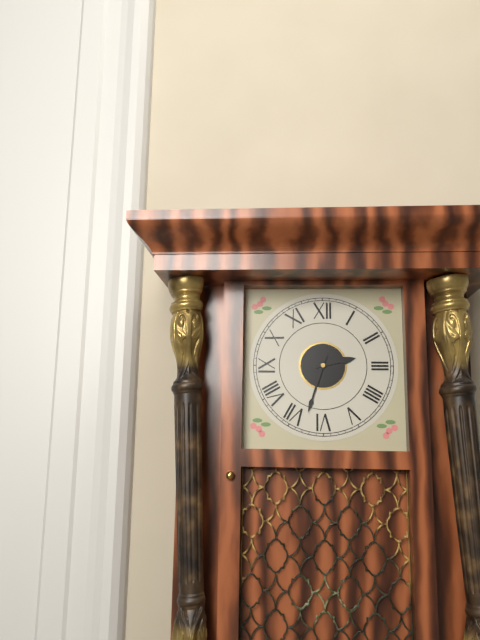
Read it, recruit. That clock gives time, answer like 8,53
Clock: 2,33
